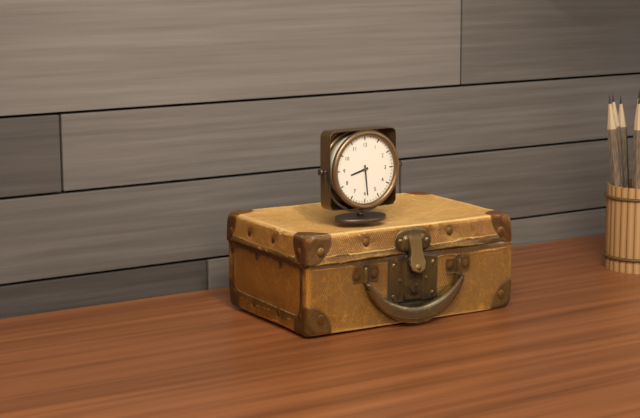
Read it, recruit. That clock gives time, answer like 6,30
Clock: 8,29
